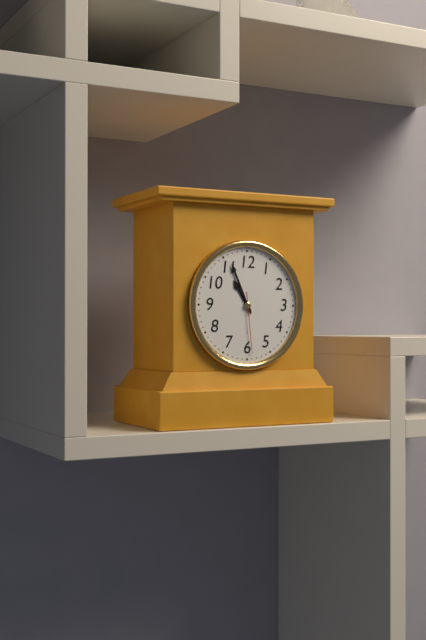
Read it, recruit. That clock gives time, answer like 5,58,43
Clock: 10,56,29
